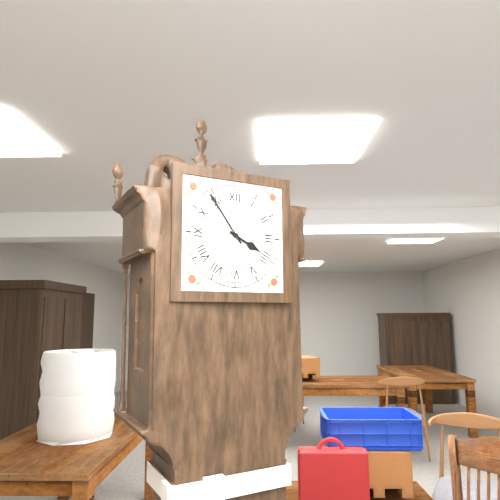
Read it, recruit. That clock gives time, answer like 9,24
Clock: 3,54
